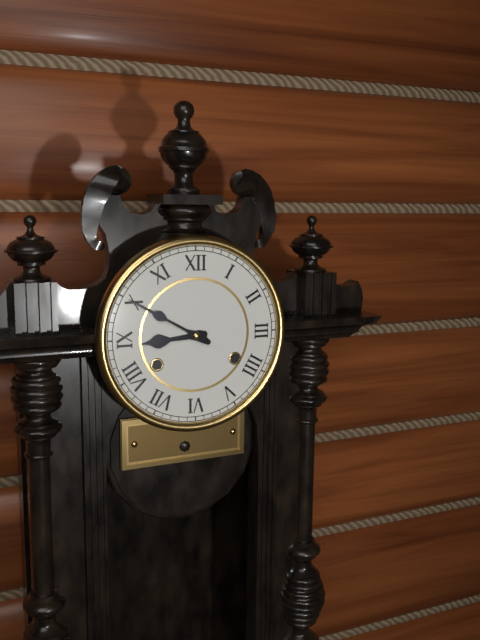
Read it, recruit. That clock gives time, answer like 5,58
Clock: 8,50
